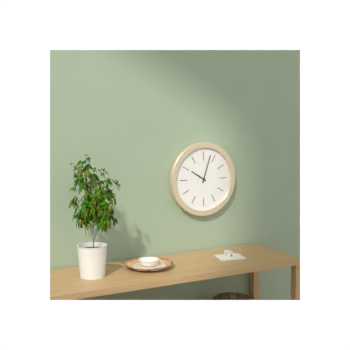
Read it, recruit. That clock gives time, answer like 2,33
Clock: 10,03
